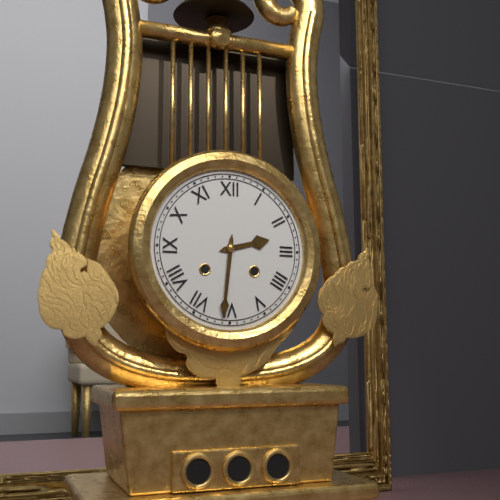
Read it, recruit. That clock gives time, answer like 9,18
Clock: 2,31
